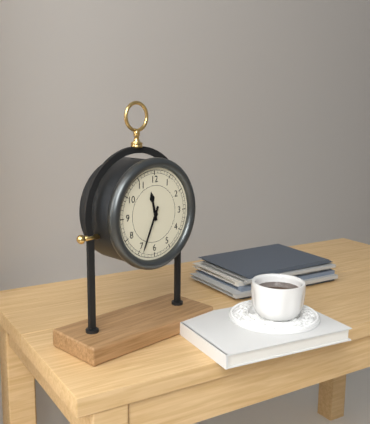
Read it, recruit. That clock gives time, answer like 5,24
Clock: 11,34
